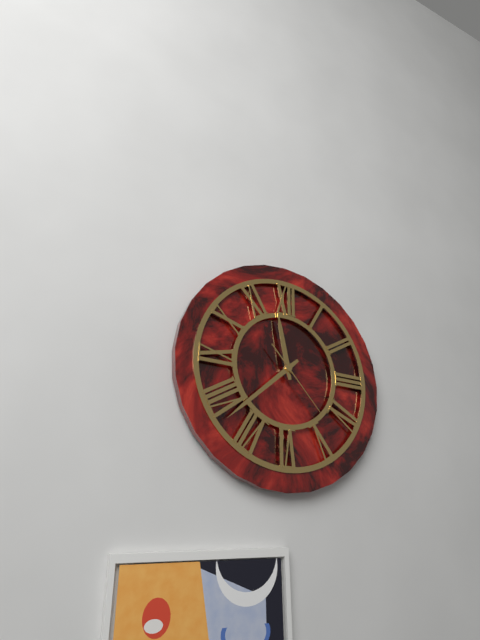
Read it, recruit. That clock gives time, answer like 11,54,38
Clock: 11,38,23
